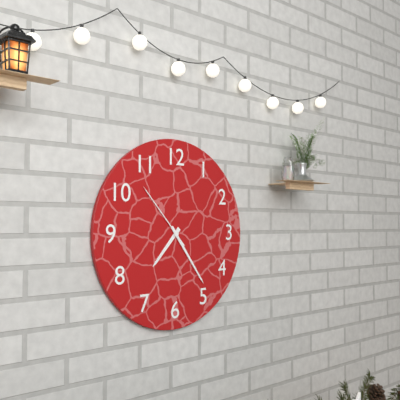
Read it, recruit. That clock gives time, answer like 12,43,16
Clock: 7,24,53
